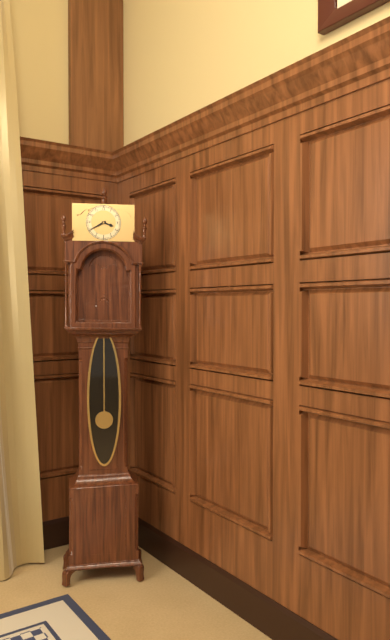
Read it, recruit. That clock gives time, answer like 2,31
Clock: 3,40
